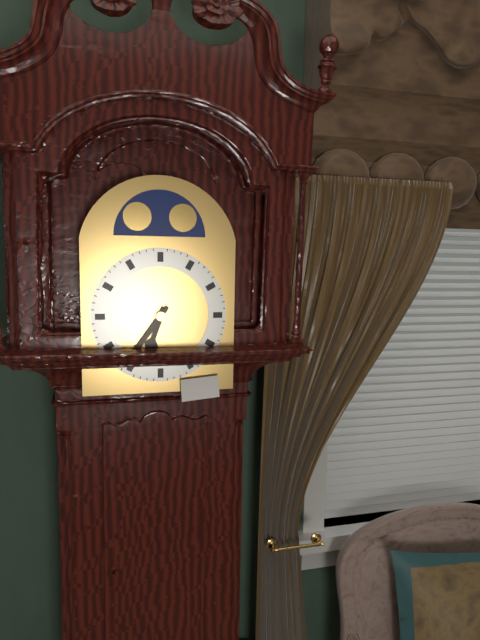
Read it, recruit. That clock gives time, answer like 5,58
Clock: 6,36
